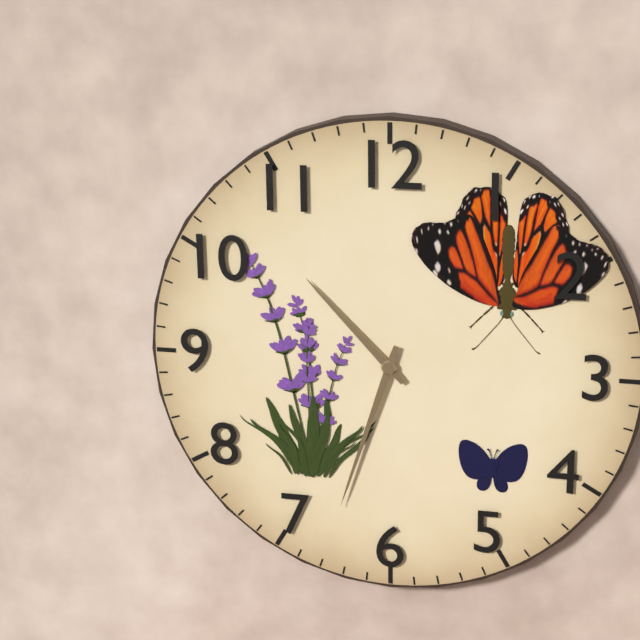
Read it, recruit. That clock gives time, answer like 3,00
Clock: 10,33
